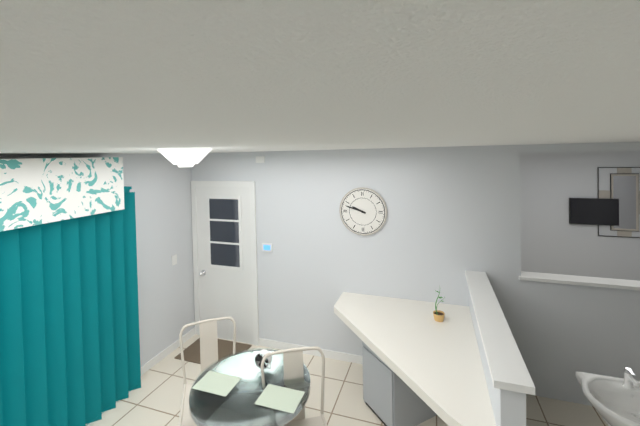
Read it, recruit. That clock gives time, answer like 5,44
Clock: 9,48
